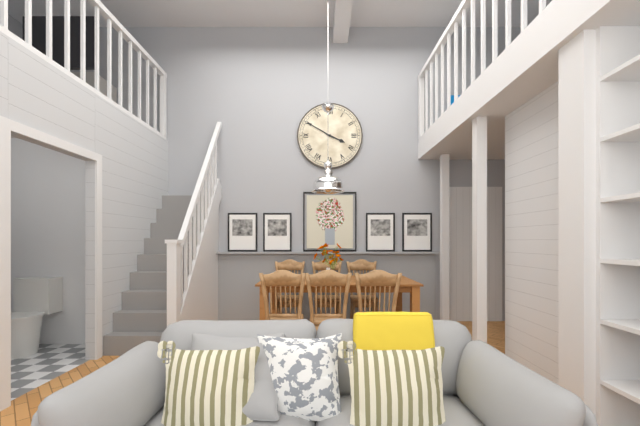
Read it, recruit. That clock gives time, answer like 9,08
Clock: 3,50
